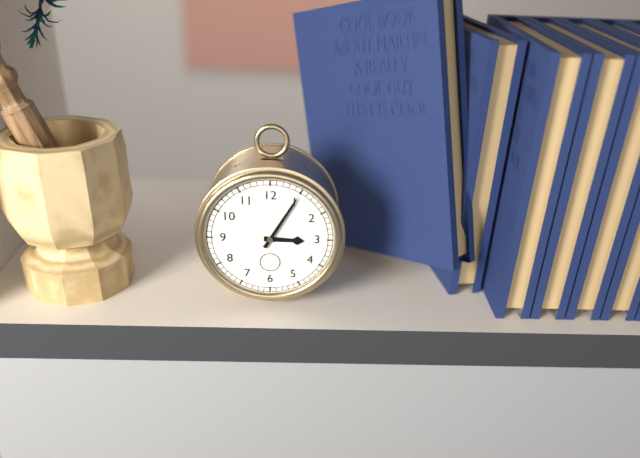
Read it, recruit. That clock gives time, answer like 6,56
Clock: 3,05
